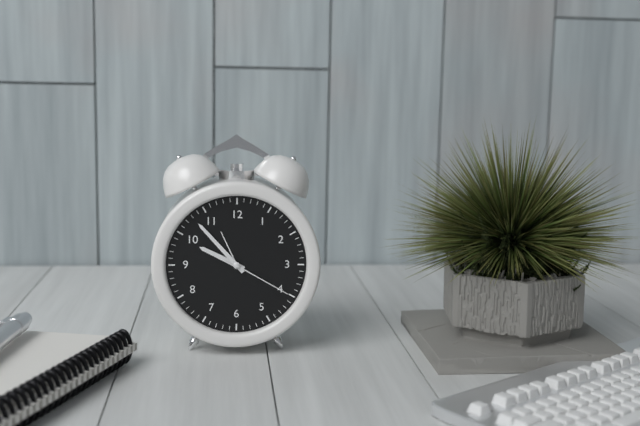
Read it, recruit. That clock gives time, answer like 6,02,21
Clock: 9,53,20
